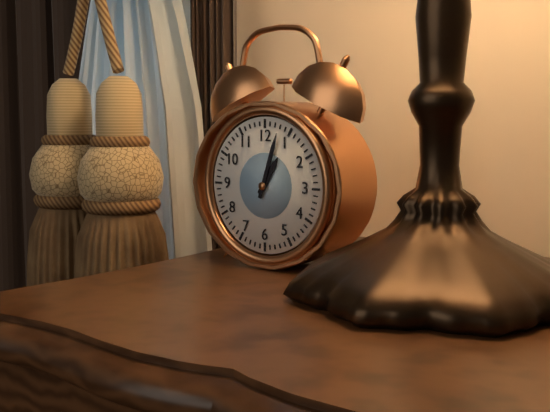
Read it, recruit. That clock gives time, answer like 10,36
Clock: 1,03
